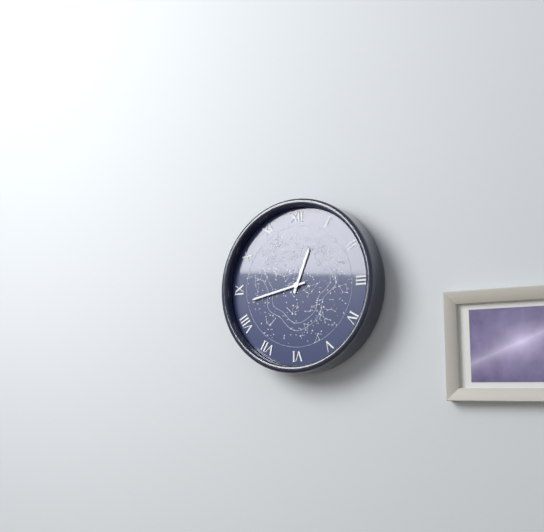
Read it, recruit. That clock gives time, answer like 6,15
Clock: 12,43
